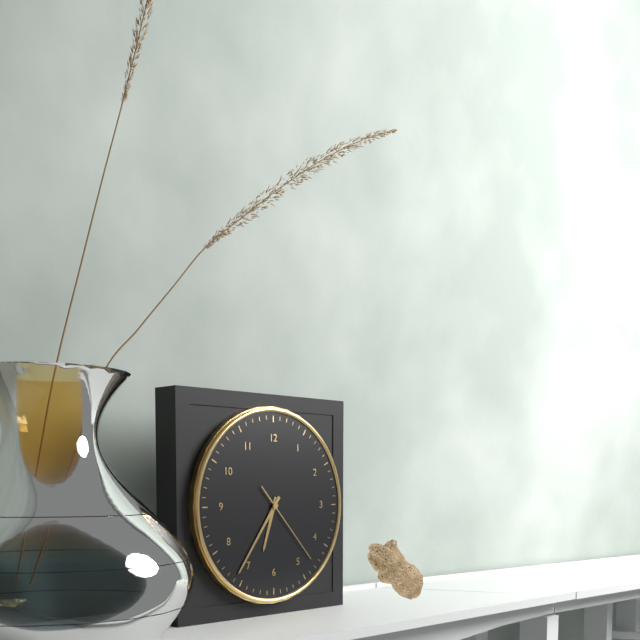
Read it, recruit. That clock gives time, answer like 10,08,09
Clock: 6,36,23
